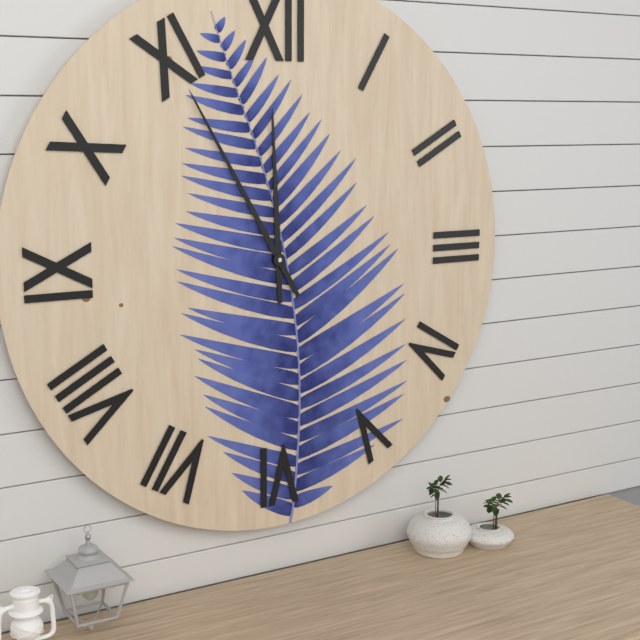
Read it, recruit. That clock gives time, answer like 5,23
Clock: 11,55
